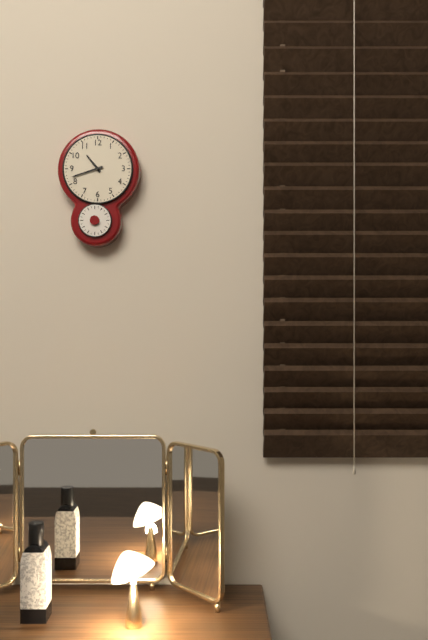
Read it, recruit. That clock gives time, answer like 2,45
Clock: 10,42
